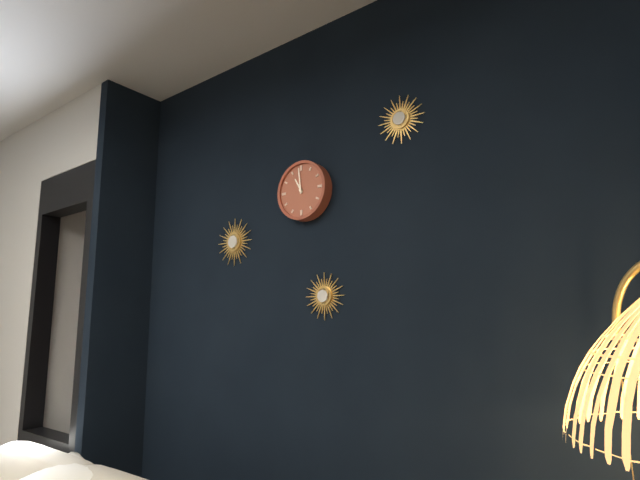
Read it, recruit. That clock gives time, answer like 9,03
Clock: 10,59
